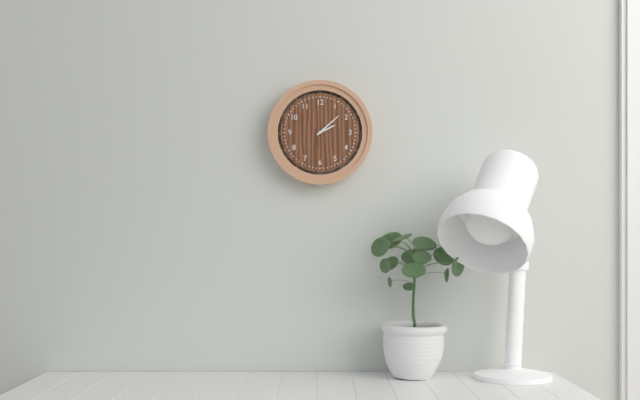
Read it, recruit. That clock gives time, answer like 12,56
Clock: 2,08
